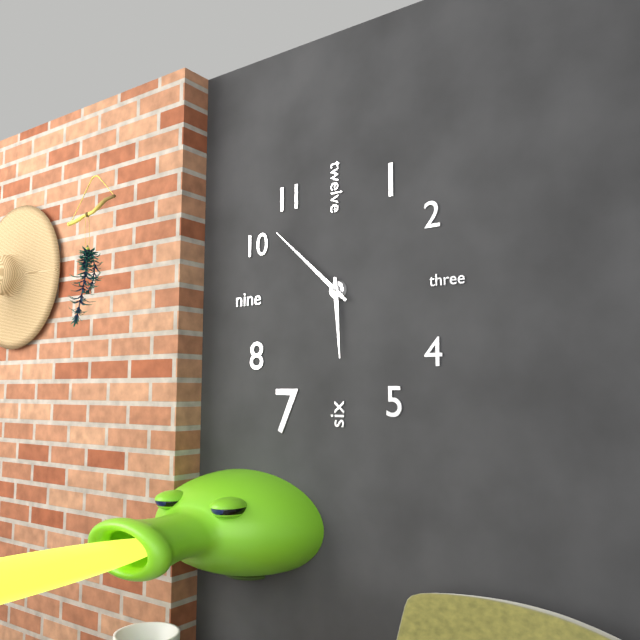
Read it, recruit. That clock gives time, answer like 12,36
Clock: 5,52
